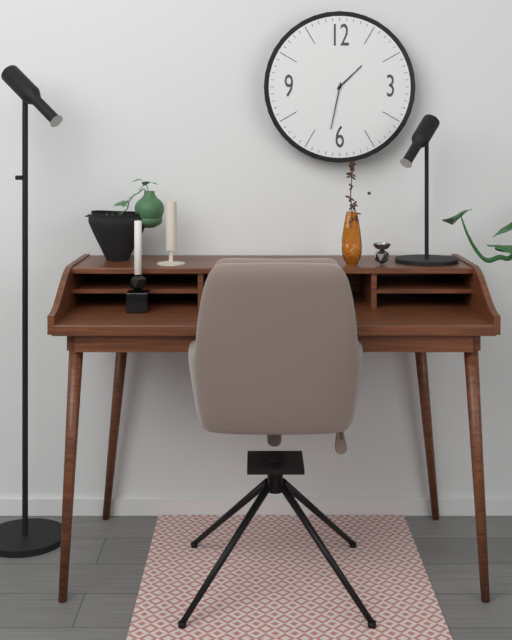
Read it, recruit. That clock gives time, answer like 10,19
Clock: 1,32
